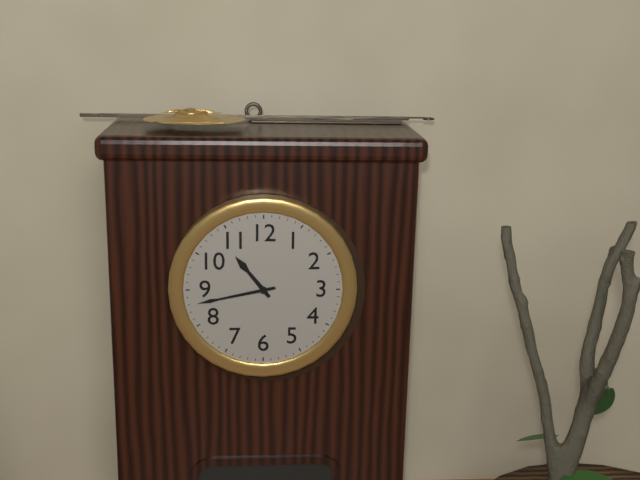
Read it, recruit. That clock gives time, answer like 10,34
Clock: 10,43
